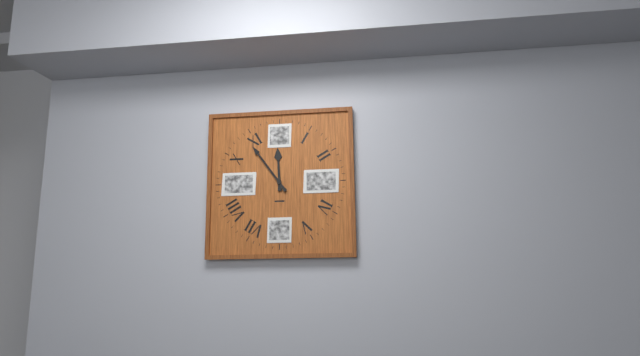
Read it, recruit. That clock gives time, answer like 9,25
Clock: 11,54
